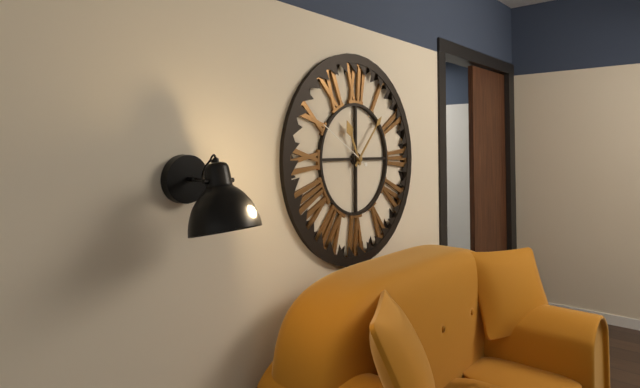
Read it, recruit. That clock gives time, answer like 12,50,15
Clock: 11,07,50
